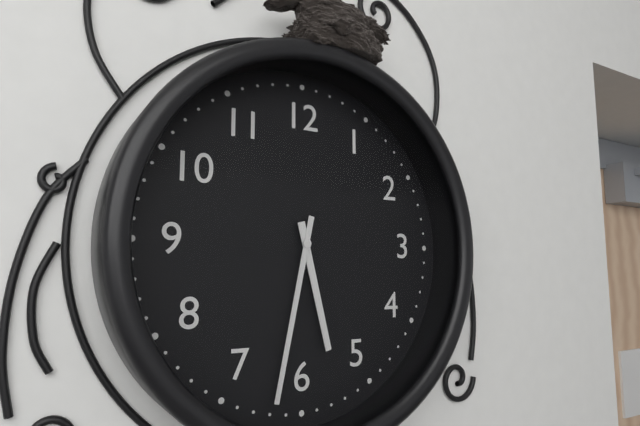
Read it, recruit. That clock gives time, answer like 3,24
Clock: 5,32
